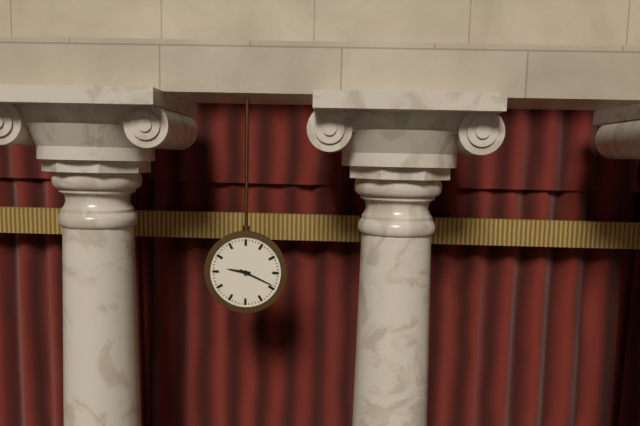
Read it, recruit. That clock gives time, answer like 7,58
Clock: 9,19
